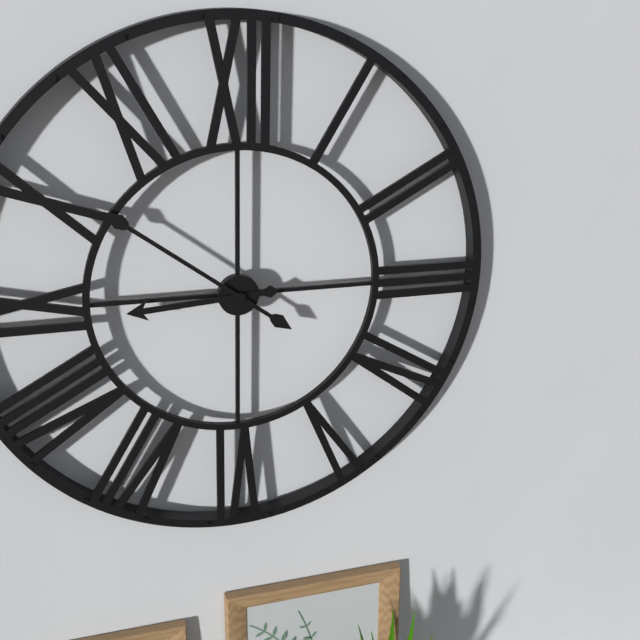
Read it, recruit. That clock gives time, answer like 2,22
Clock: 8,51
